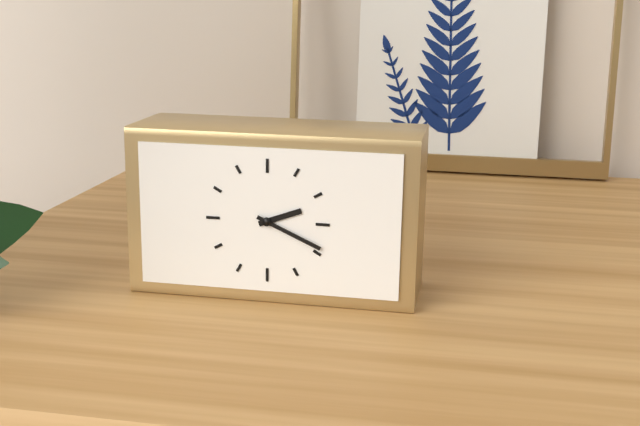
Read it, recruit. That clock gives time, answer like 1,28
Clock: 2,19
